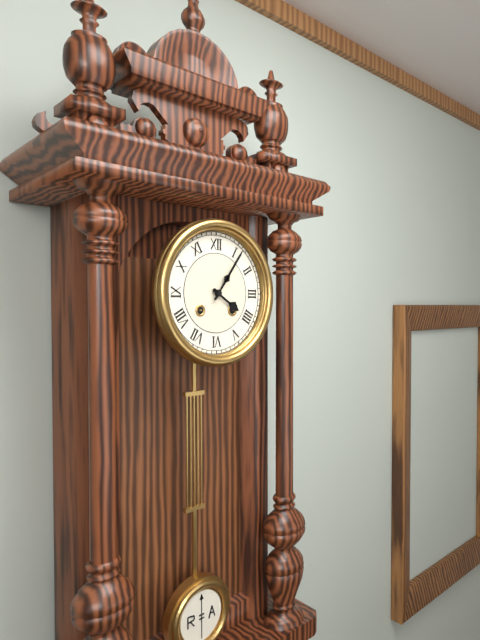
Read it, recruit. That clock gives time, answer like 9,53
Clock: 4,06
